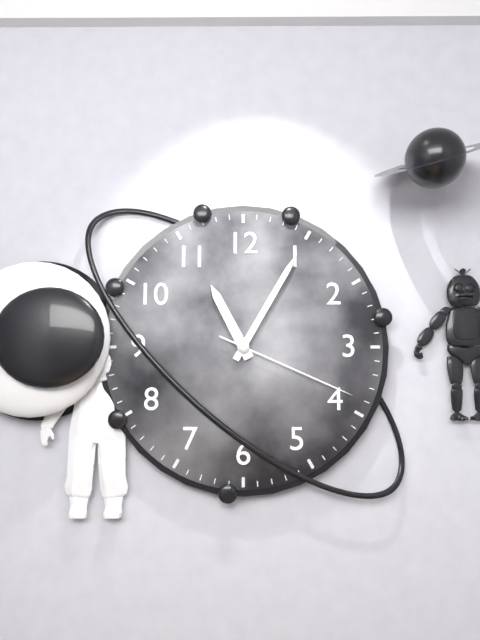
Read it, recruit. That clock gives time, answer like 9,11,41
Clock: 11,05,19
